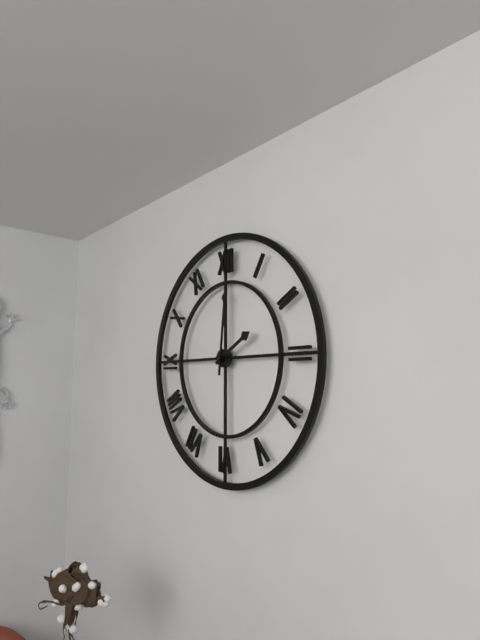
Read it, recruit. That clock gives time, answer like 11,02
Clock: 2,01
